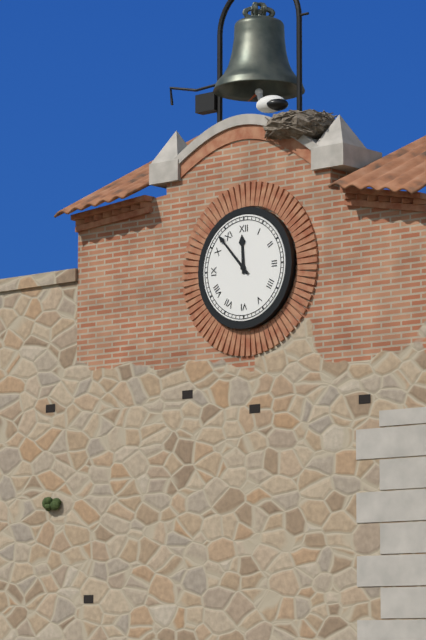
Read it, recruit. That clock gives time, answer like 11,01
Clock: 11,53
